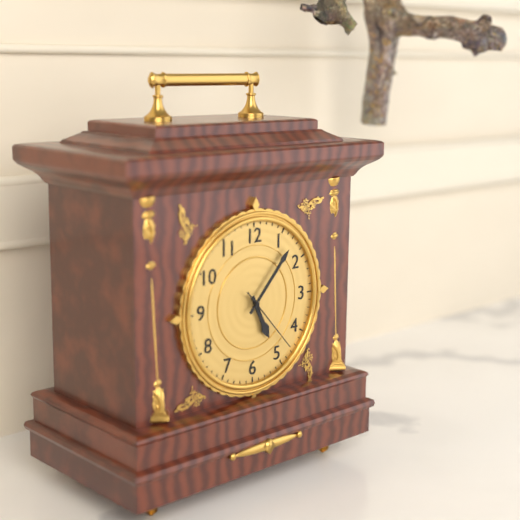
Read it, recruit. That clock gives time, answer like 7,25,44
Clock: 5,07,23
